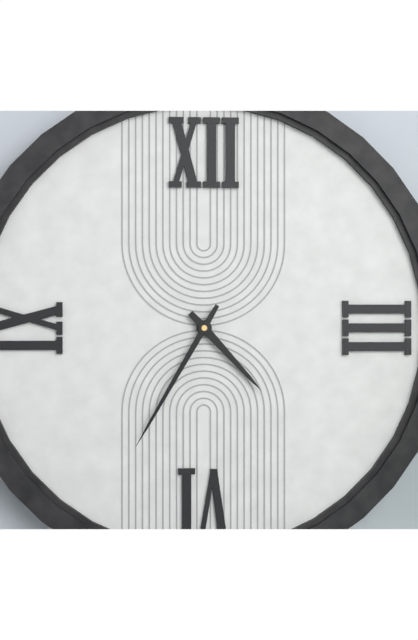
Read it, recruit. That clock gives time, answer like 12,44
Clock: 4,35
